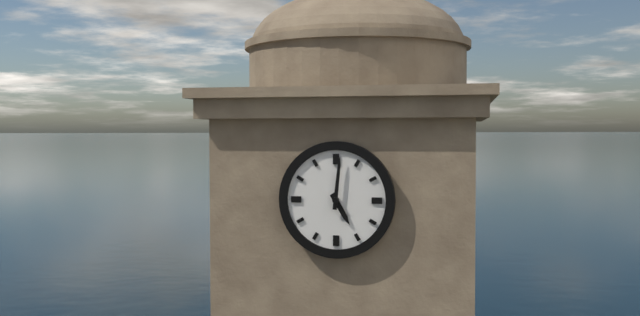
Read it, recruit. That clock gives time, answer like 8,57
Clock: 5,01
